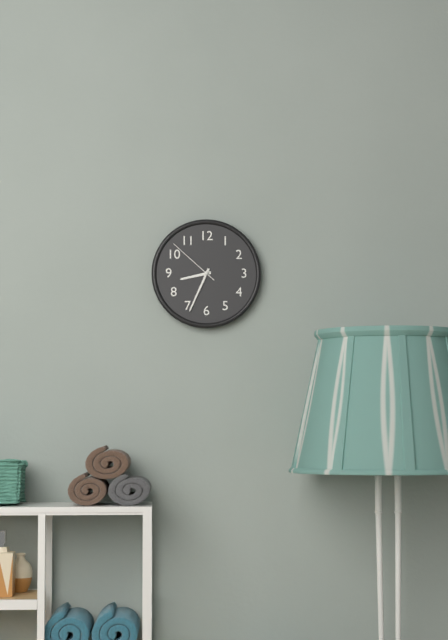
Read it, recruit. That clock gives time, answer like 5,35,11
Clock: 8,34,52
